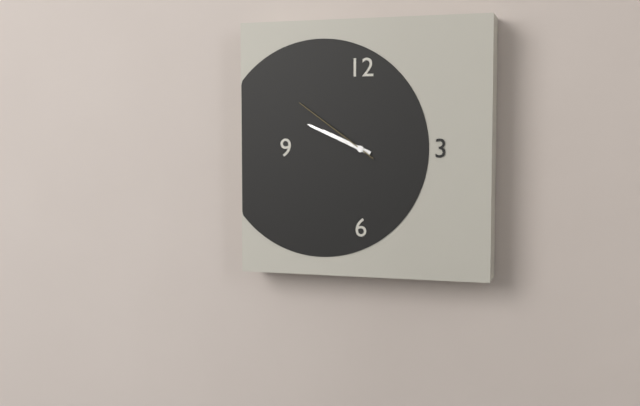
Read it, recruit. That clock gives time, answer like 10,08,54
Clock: 9,49,51
